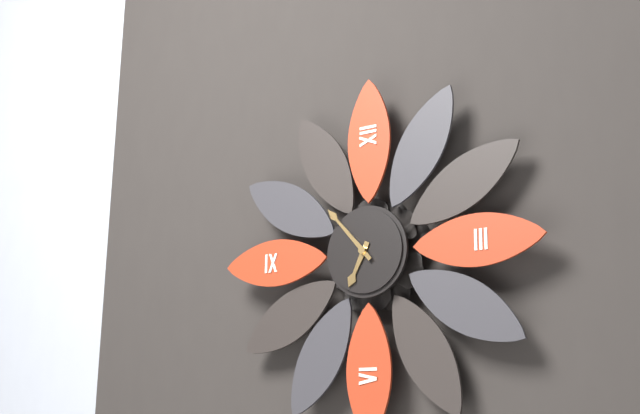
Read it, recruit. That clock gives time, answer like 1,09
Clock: 6,53
